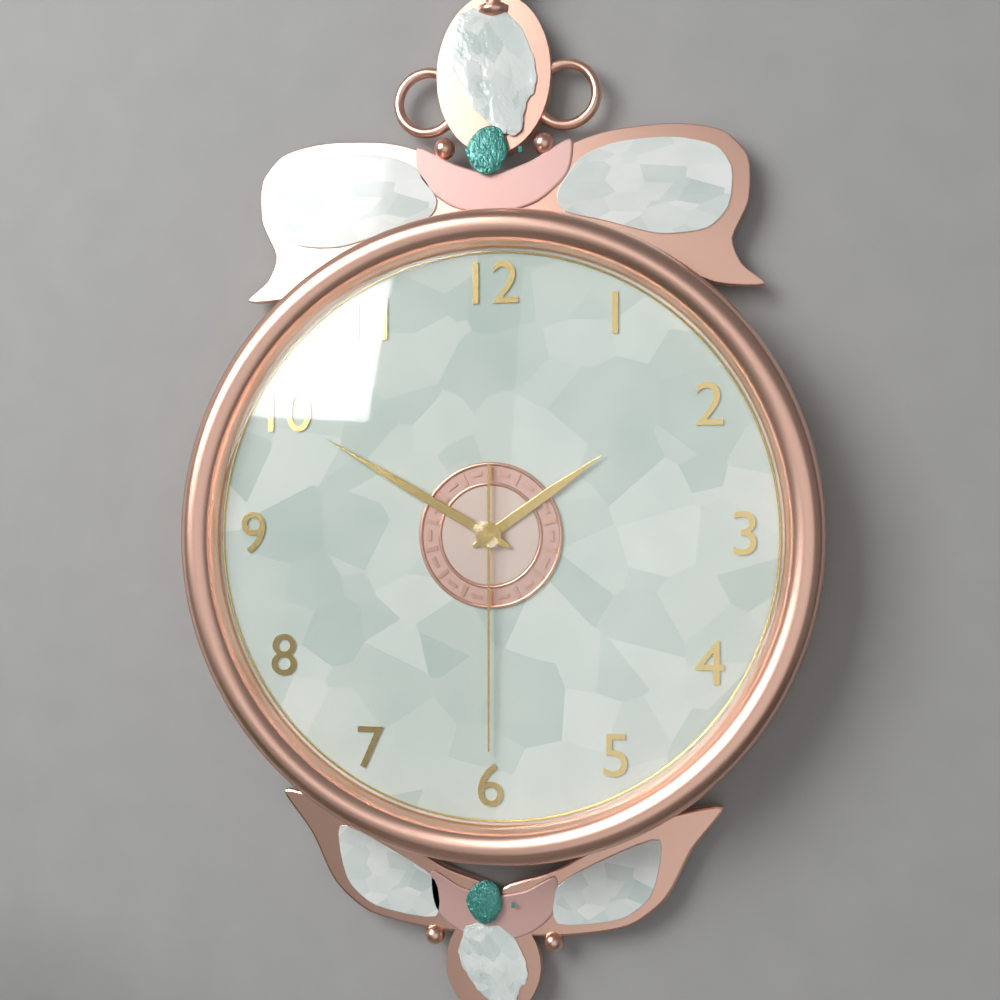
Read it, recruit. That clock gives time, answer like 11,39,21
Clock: 1,50,30
